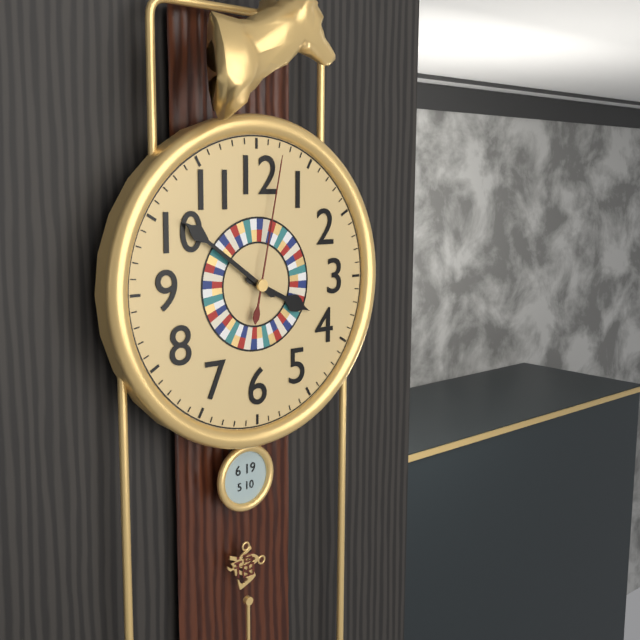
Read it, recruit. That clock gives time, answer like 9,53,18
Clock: 3,51,02
